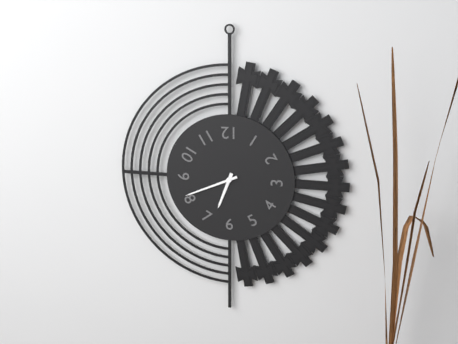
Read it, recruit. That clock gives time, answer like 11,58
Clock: 6,41
